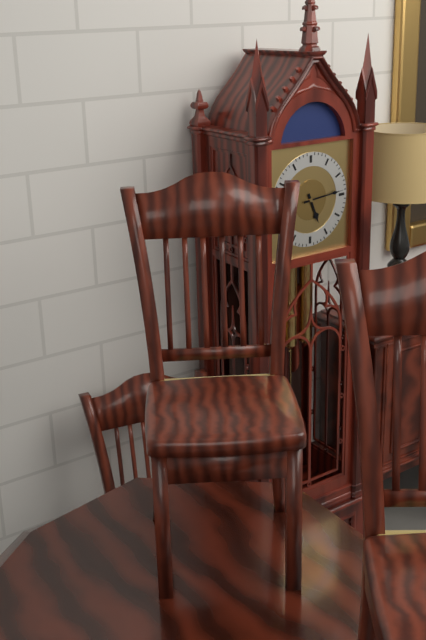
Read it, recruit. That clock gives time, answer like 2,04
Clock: 5,14
